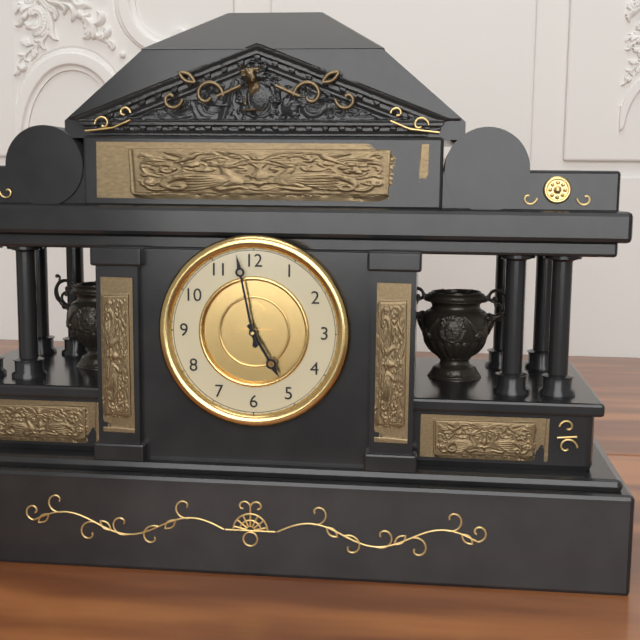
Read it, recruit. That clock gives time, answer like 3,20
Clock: 4,58
